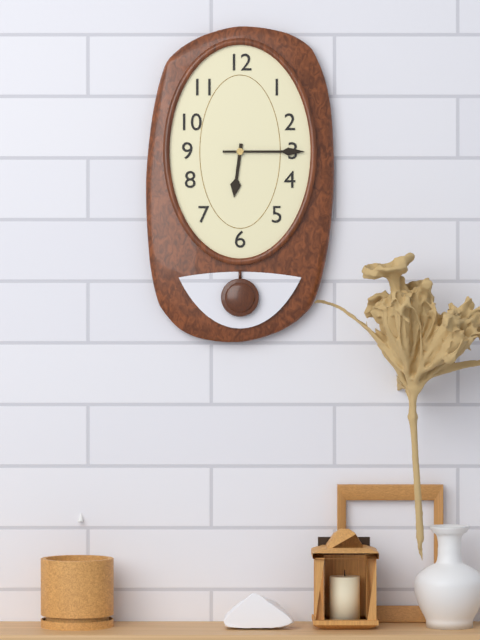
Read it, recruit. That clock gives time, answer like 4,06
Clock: 6,15
